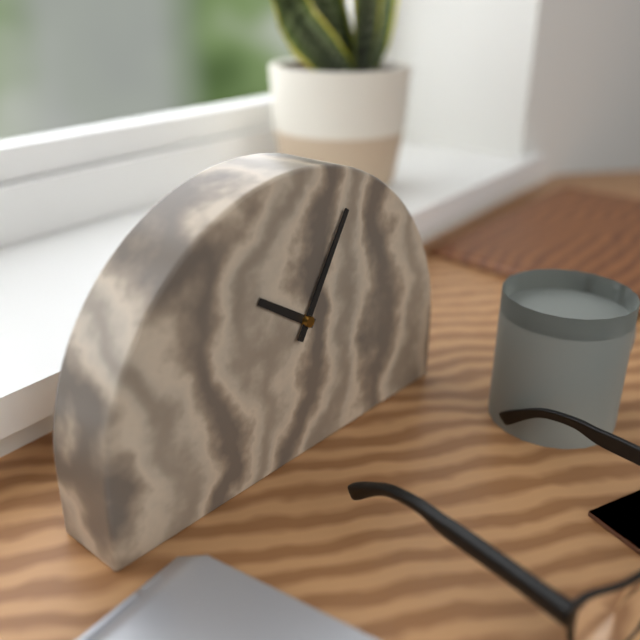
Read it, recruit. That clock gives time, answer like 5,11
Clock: 10,05
